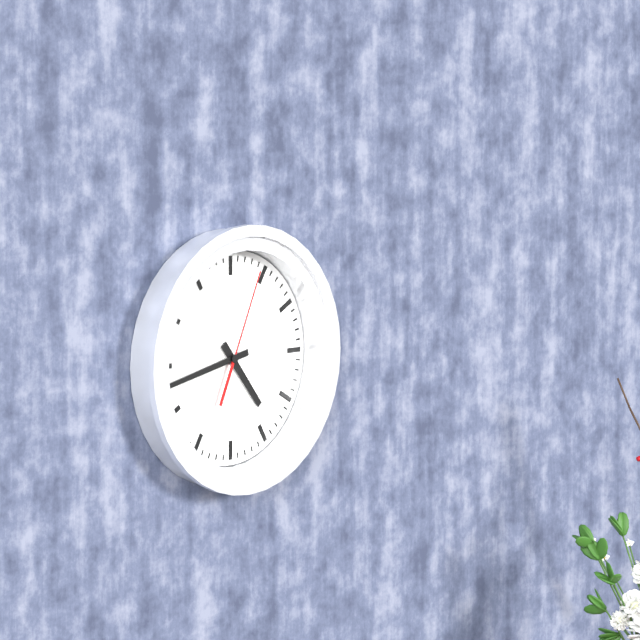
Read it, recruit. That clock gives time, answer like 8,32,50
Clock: 4,43,04
